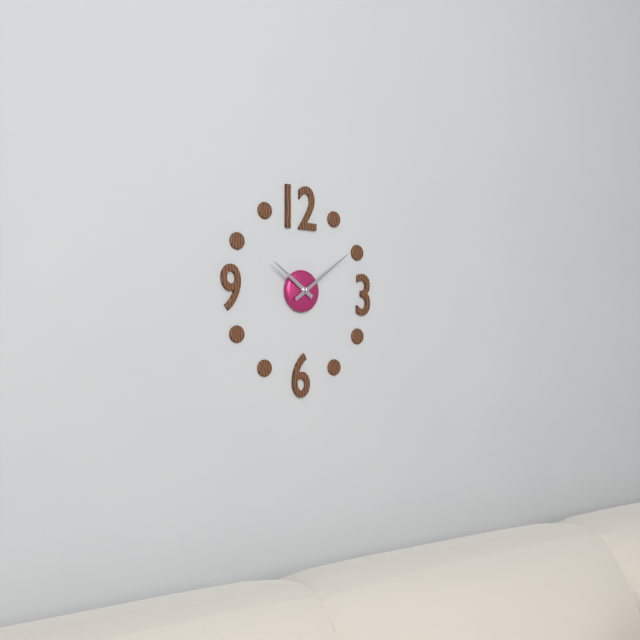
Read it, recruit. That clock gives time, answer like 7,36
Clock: 10,09
